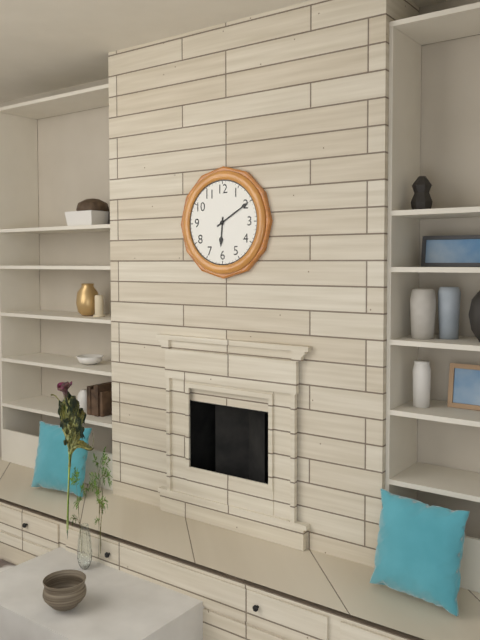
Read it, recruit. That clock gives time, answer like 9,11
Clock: 6,10
